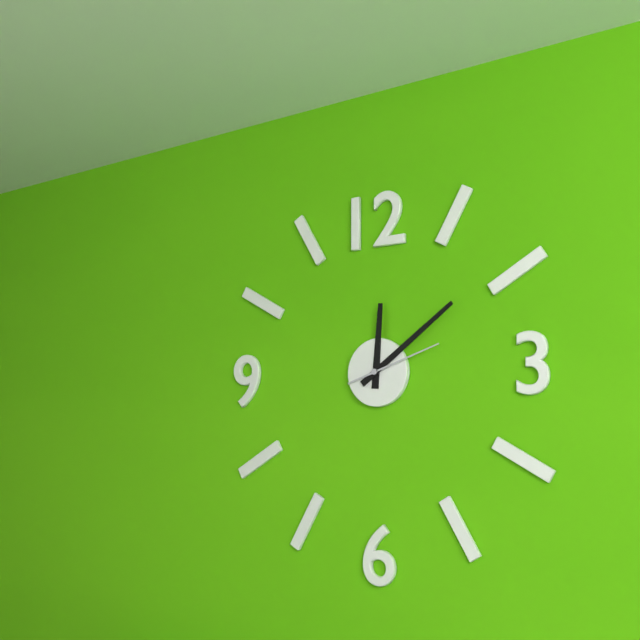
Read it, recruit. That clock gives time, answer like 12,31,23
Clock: 12,09,12
